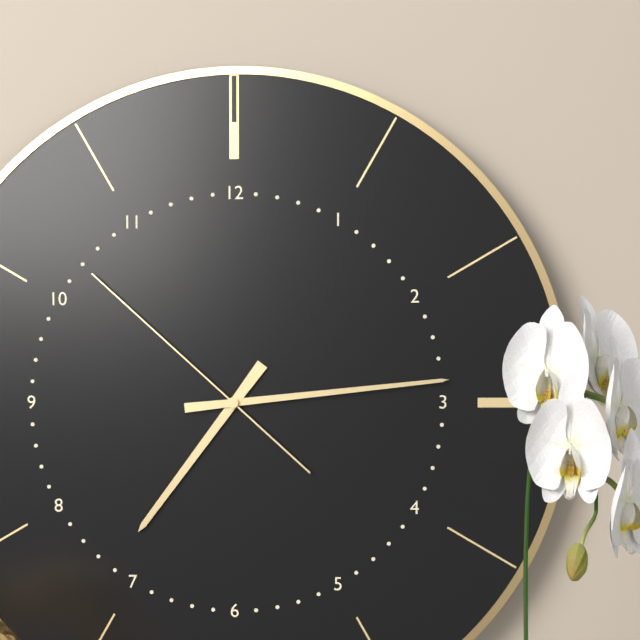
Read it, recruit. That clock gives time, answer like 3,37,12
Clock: 7,14,52
